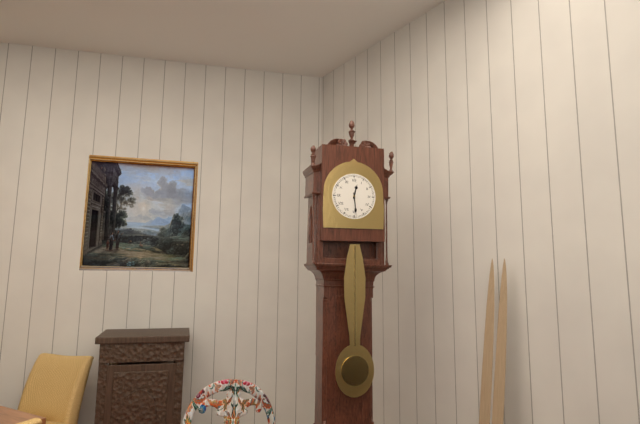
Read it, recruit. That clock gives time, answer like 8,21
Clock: 12,29
